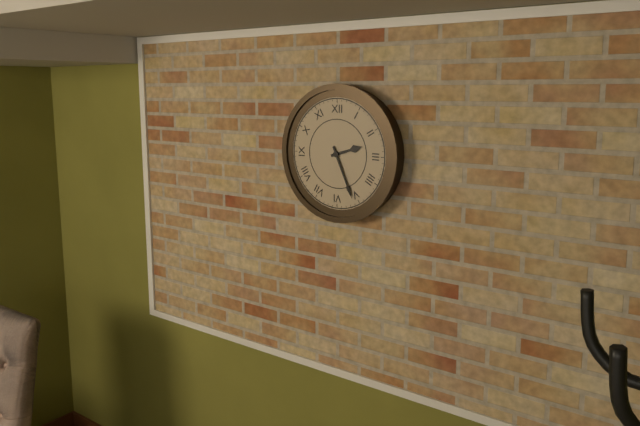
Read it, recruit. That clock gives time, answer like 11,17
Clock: 2,26
